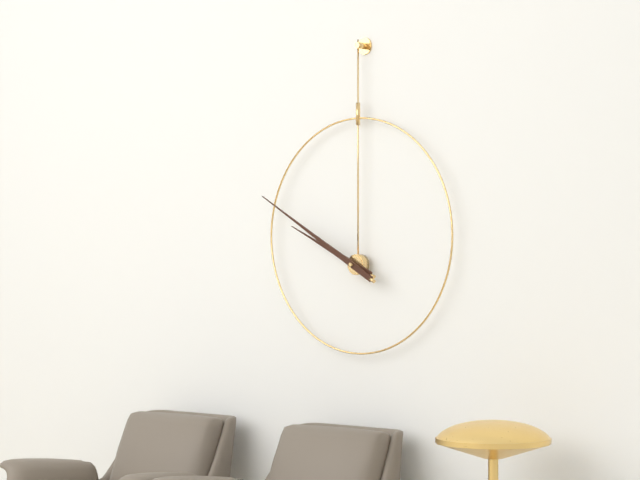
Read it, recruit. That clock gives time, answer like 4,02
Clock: 9,50
